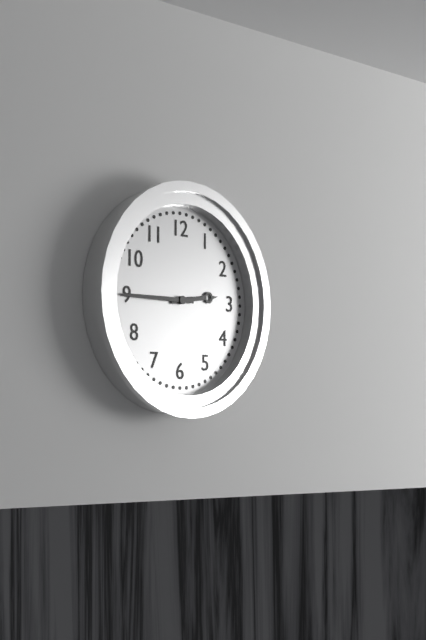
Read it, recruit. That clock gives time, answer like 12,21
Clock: 2,45
